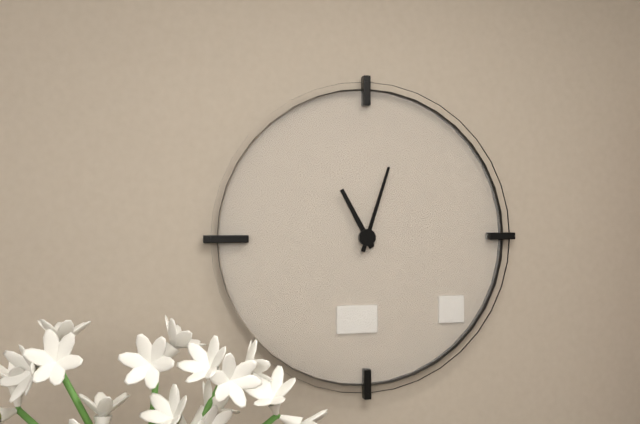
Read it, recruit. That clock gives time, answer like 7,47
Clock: 11,03
